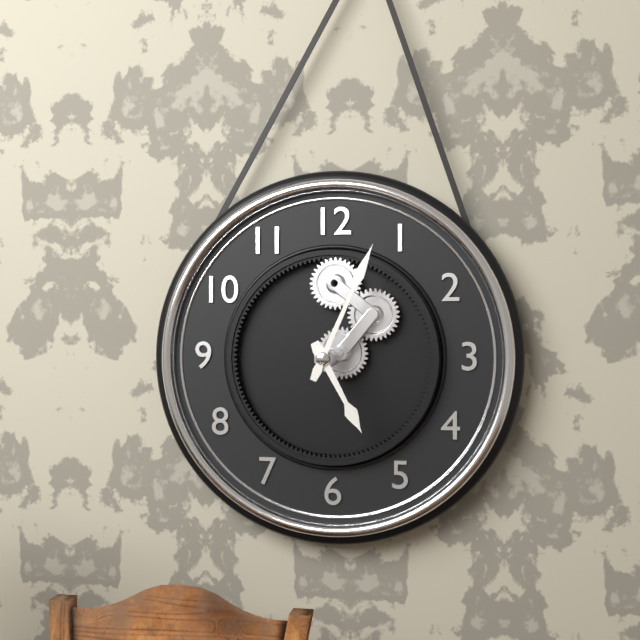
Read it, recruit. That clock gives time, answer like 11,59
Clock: 5,04
